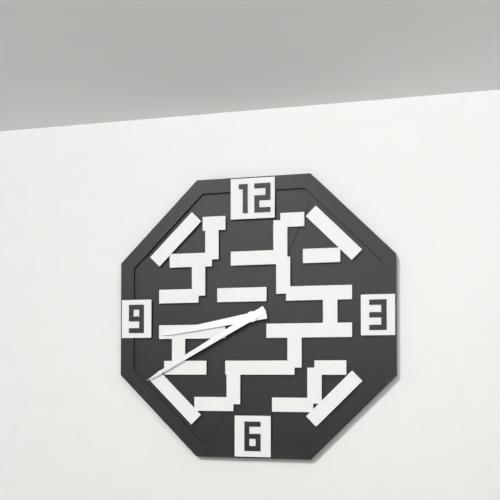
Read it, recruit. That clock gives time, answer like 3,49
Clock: 8,40
